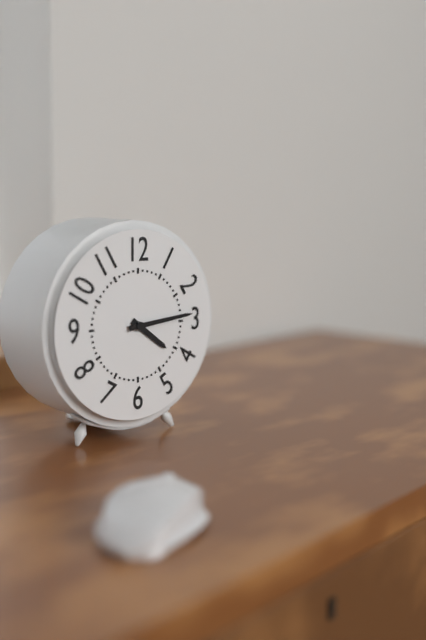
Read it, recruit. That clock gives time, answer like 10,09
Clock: 4,14
